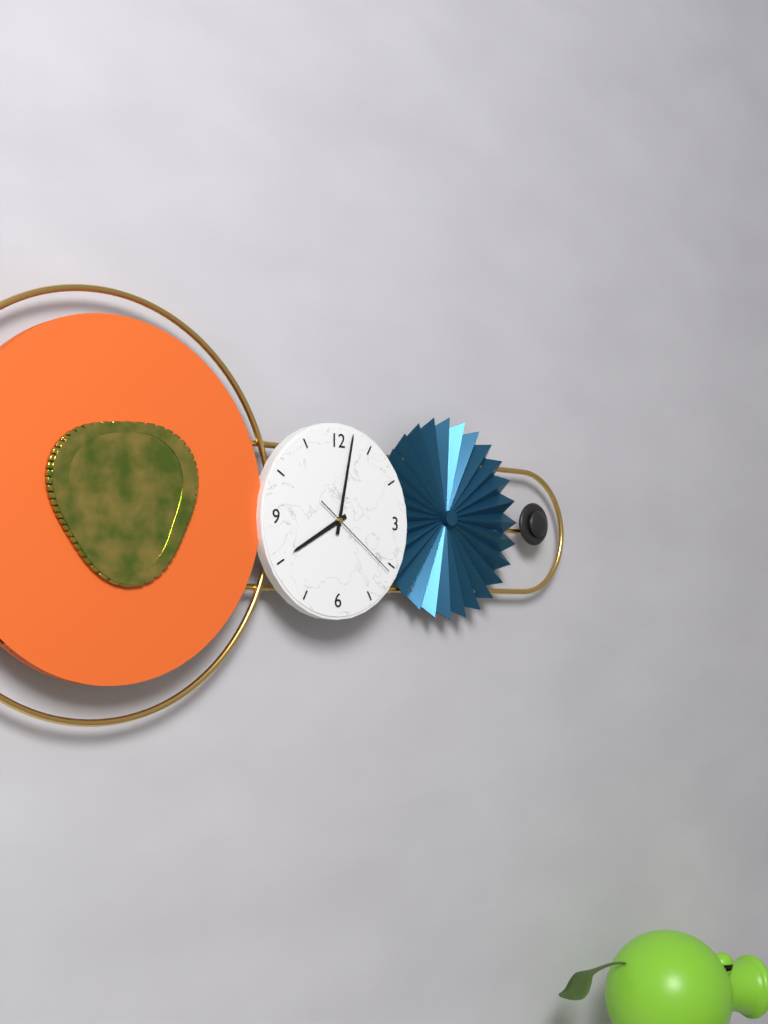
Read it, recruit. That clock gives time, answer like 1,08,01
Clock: 8,02,21
